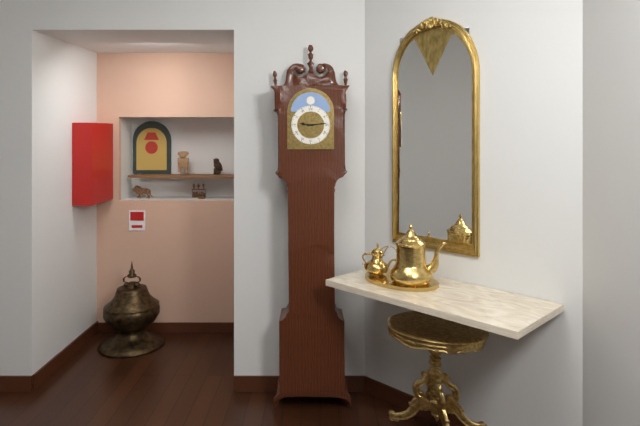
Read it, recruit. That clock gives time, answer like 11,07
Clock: 9,14
